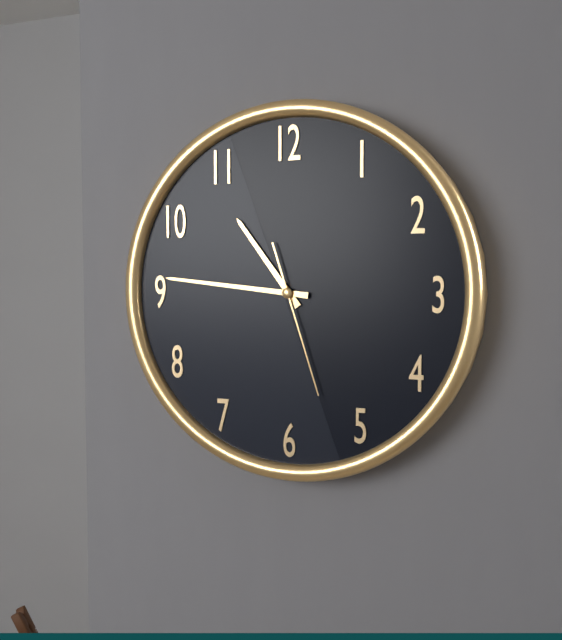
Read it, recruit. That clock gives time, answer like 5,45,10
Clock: 10,46,27
